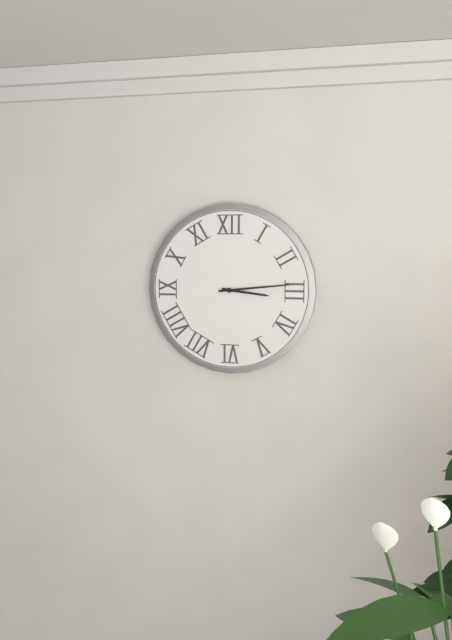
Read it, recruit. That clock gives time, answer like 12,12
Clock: 3,14
